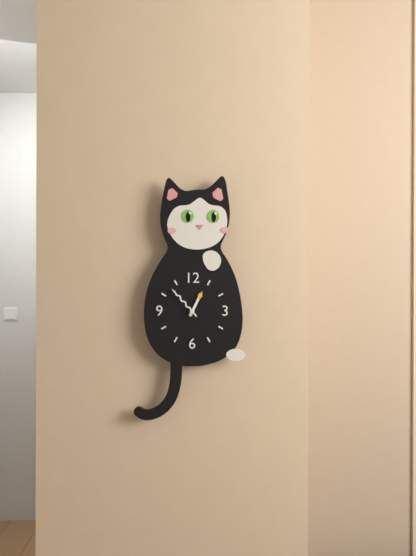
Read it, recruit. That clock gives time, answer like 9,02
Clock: 12,53
